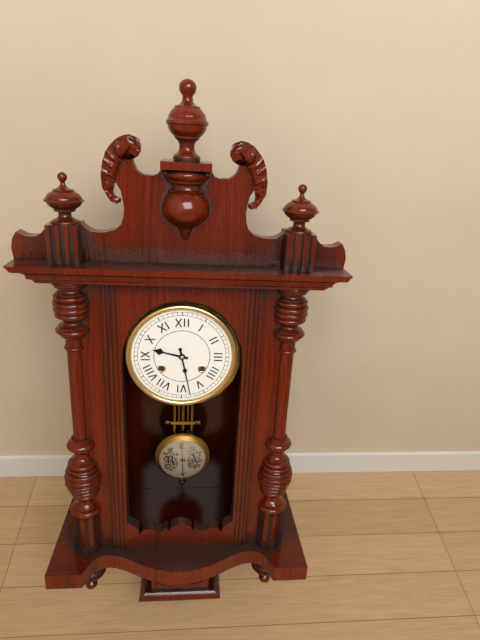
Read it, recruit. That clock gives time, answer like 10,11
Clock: 9,28
